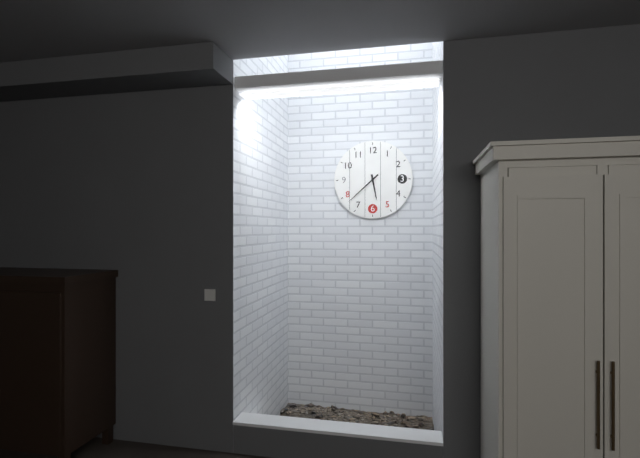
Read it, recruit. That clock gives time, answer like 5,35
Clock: 5,38
